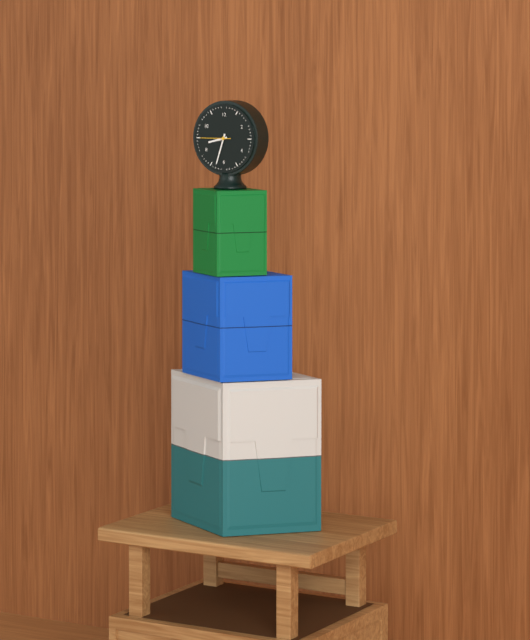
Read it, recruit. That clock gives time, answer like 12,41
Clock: 8,33
